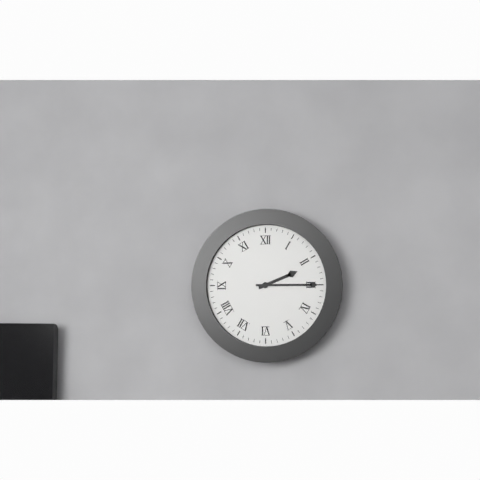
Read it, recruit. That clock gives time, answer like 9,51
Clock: 2,15
